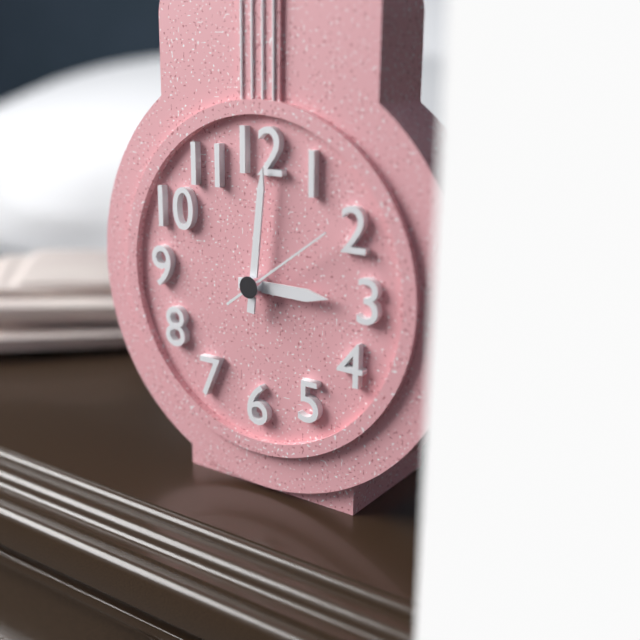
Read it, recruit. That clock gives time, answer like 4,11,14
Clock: 3,01,09
